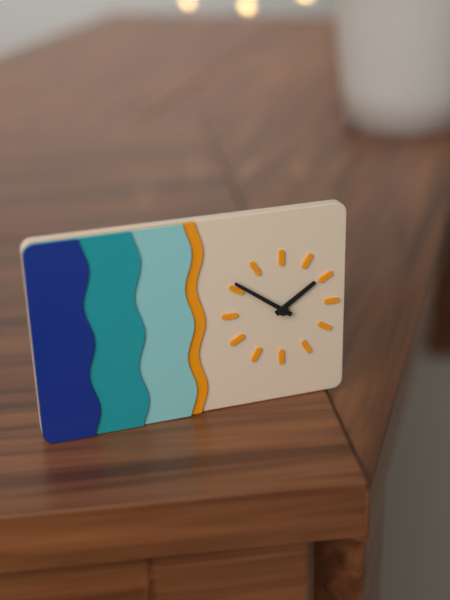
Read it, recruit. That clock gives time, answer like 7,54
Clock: 1,51
